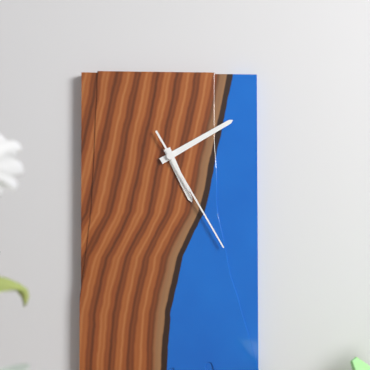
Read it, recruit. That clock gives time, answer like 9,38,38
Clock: 5,10,25
